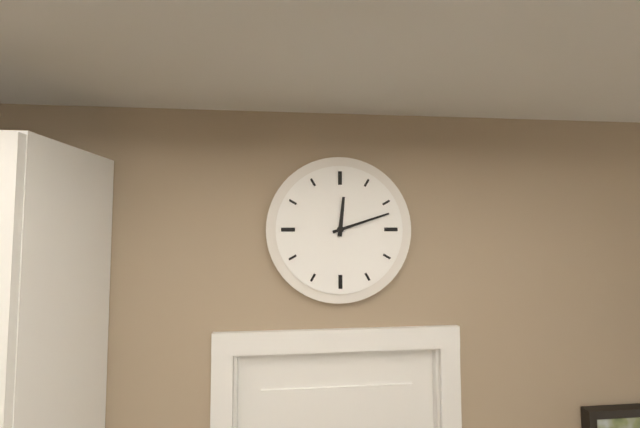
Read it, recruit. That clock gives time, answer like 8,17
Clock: 12,12
